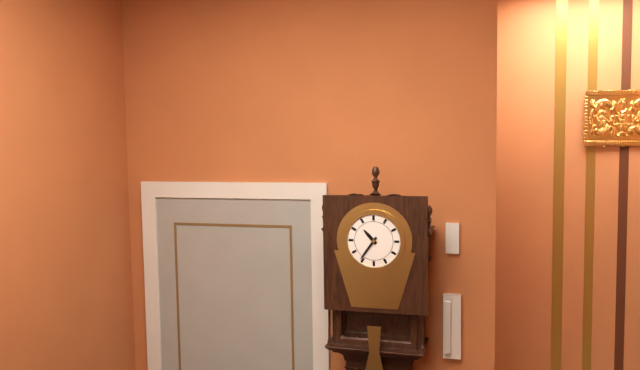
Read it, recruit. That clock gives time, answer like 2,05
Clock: 10,36
